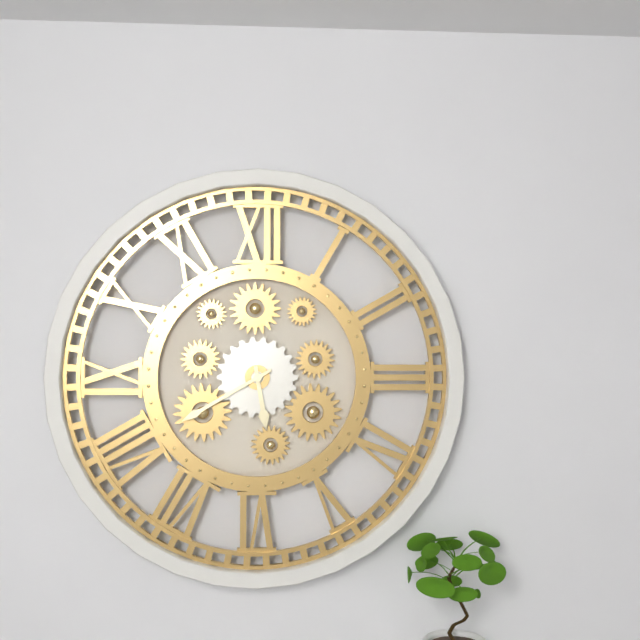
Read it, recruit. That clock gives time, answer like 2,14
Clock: 5,40
